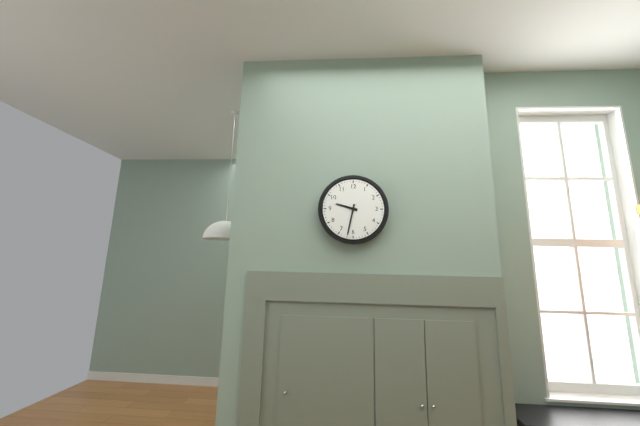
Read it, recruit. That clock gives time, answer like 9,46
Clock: 9,32
